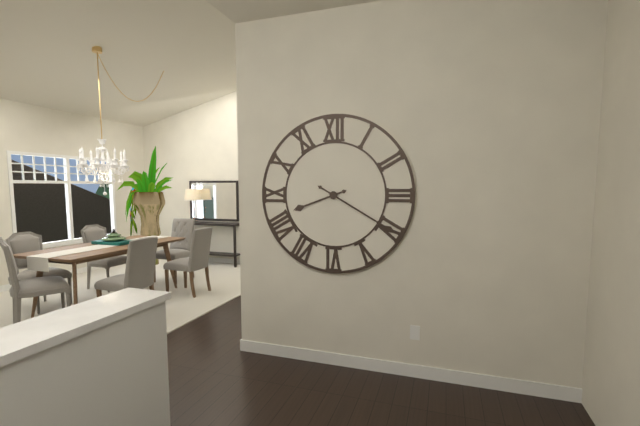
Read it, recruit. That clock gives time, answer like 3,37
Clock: 8,20
